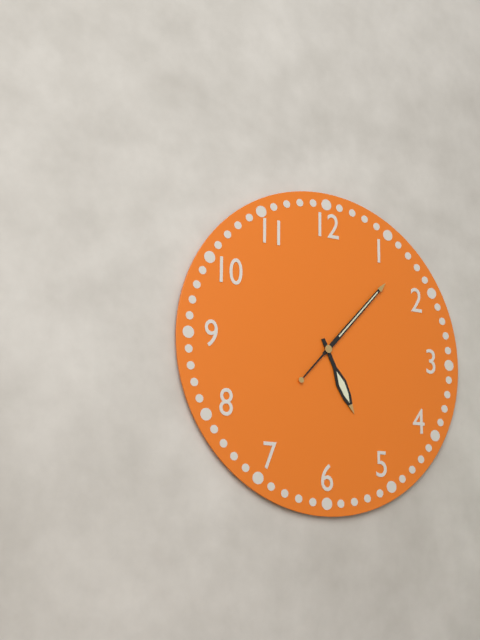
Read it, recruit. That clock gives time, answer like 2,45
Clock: 5,07
